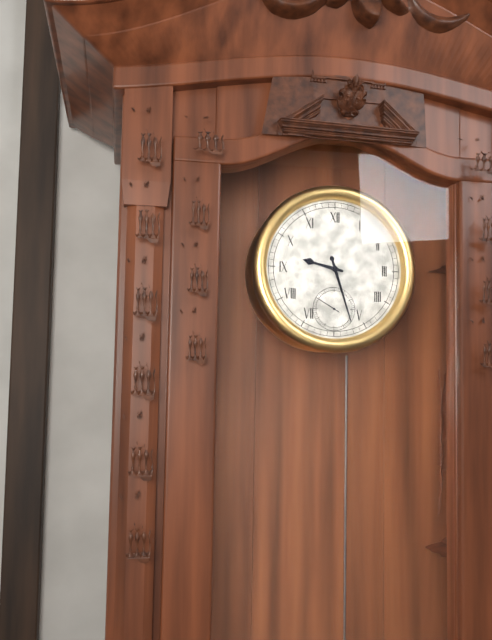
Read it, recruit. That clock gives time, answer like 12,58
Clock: 9,27
